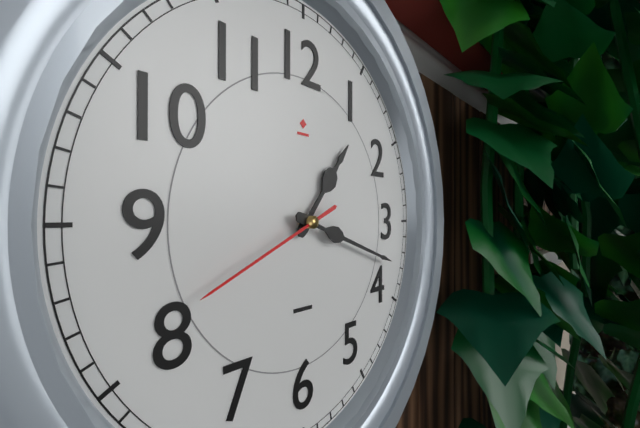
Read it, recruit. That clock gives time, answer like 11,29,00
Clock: 1,18,41
